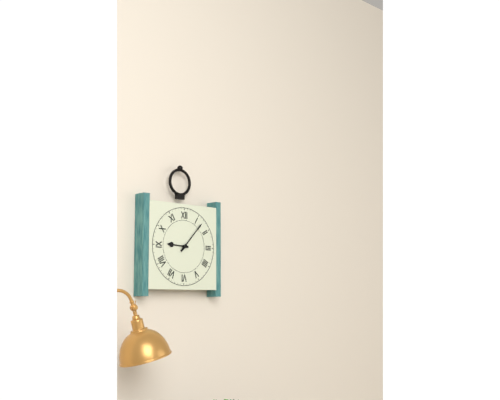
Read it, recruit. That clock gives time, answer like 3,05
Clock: 9,07
